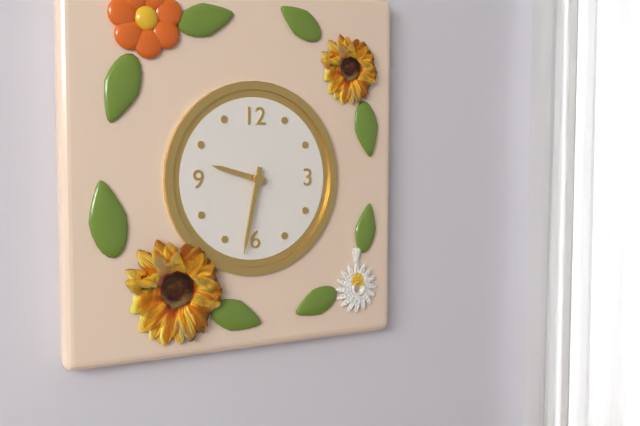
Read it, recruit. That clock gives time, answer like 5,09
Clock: 9,32
